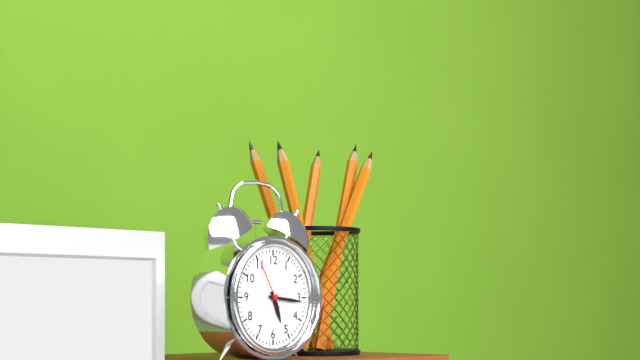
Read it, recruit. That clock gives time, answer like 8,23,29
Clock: 5,16,55
